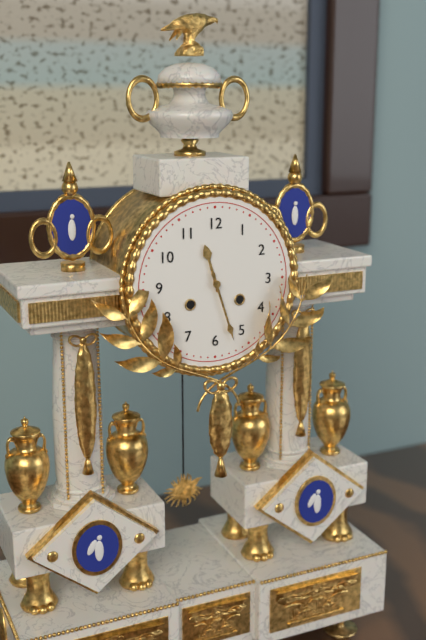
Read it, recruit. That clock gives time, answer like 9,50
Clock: 11,27
